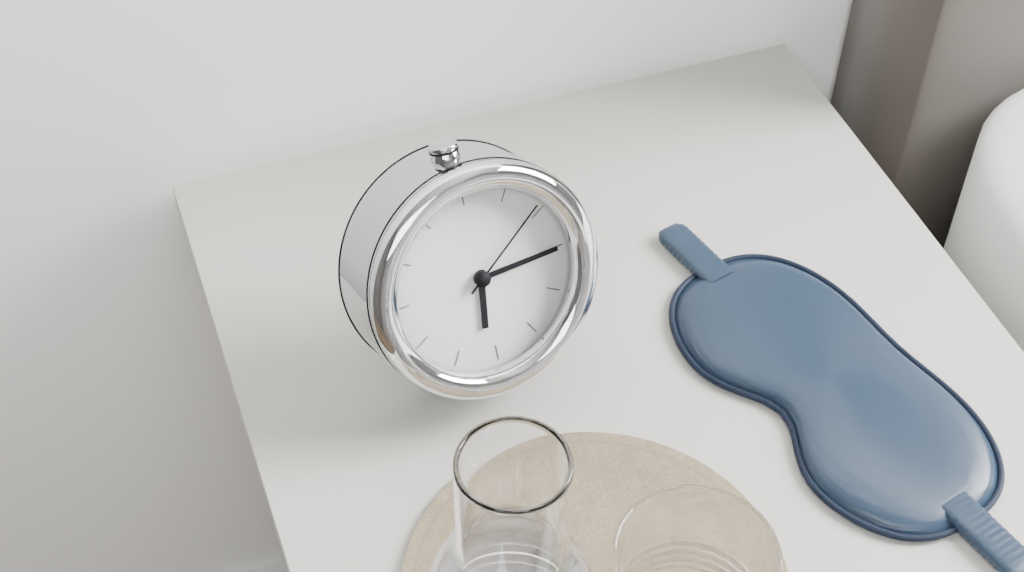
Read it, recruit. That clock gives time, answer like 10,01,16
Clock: 6,15,09
